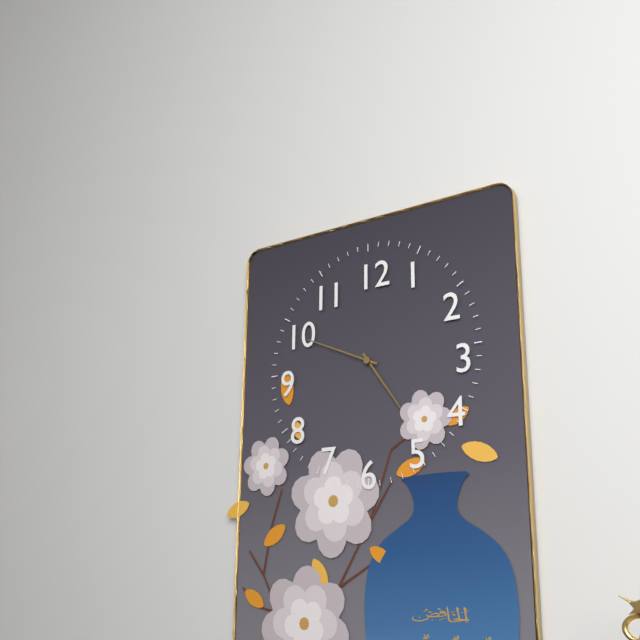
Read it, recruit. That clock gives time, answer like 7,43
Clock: 4,49
